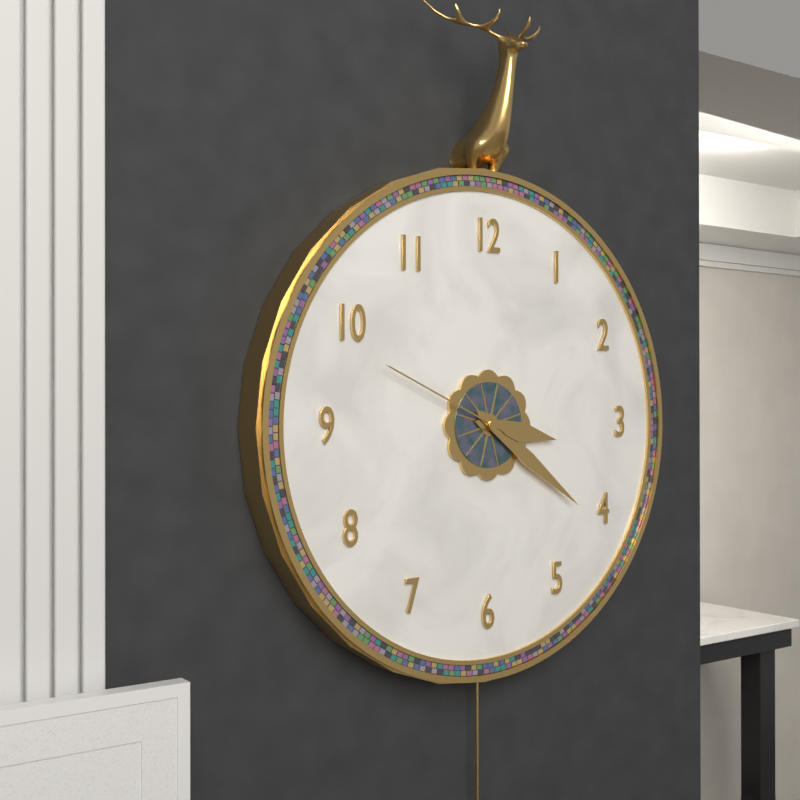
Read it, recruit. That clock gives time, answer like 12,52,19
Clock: 3,21,49
